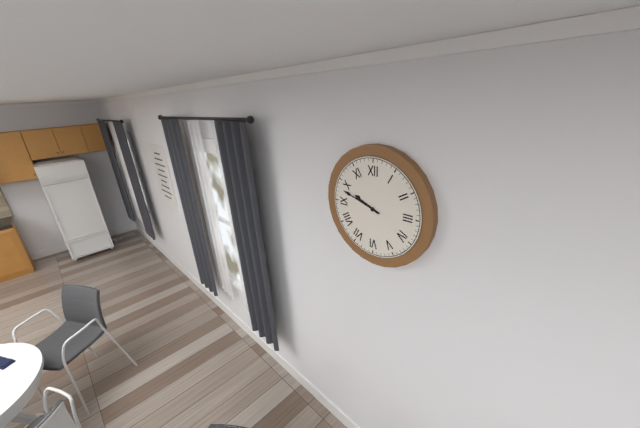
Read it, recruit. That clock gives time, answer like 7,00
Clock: 9,48
